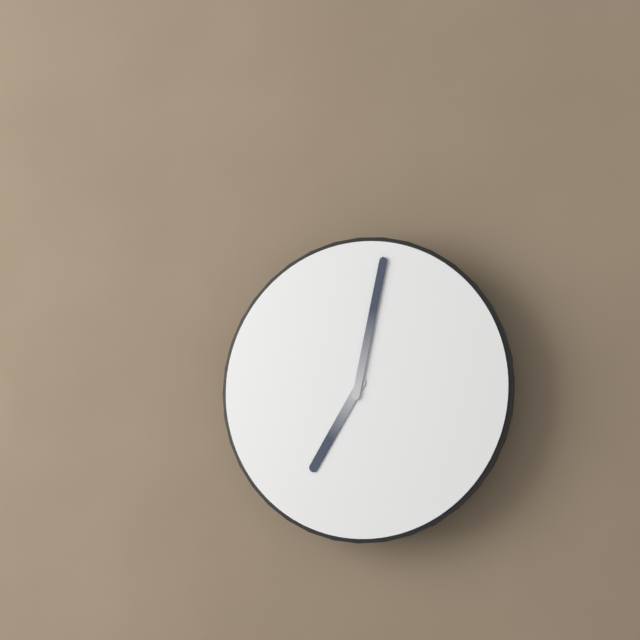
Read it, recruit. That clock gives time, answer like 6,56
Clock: 7,02
